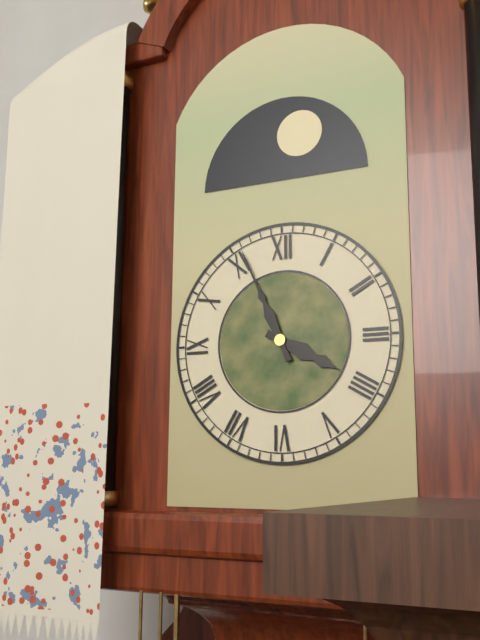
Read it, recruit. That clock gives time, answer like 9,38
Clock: 3,56
